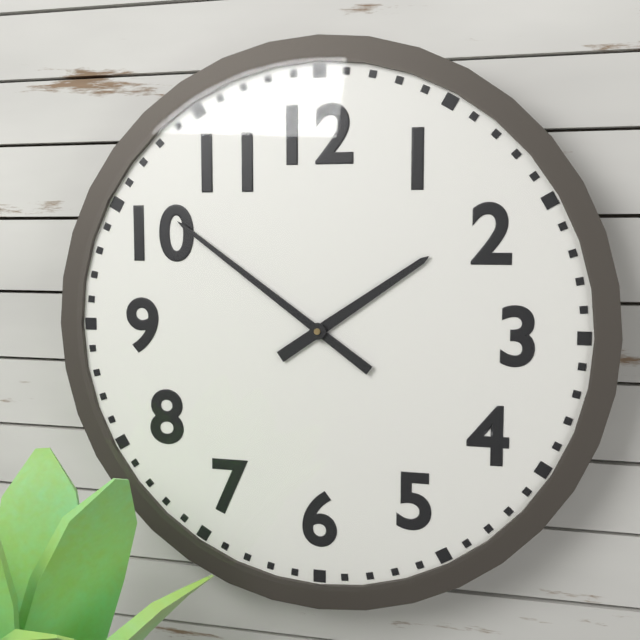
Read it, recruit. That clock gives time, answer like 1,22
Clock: 1,51
